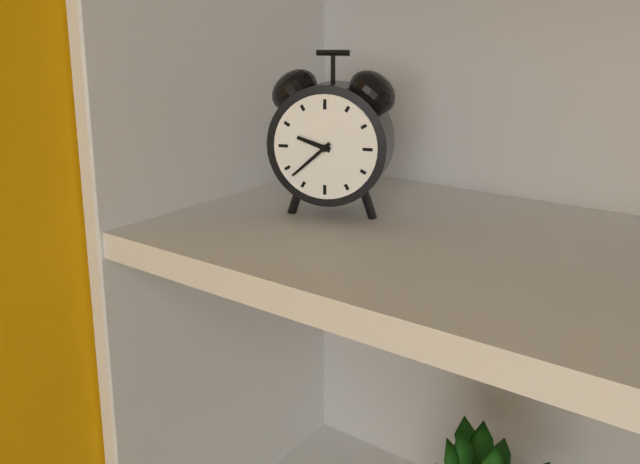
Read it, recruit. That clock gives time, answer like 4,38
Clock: 9,38
